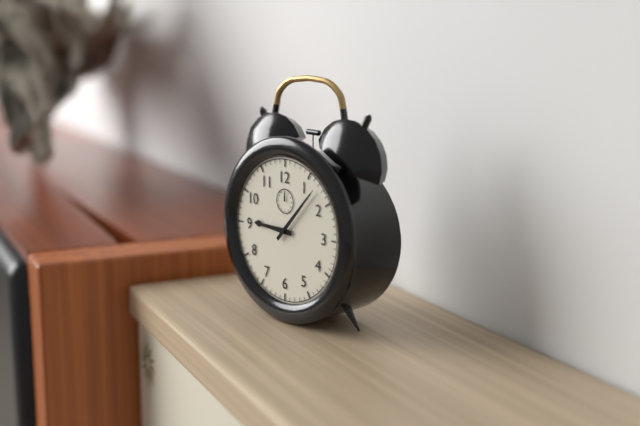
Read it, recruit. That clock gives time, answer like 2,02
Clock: 9,07
